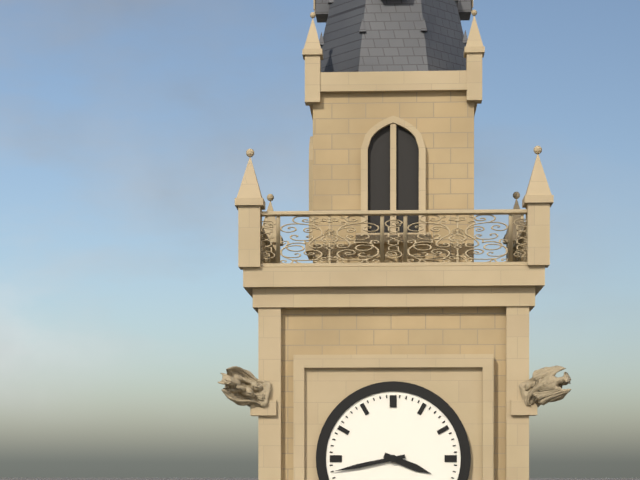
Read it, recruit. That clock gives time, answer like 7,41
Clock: 3,43
